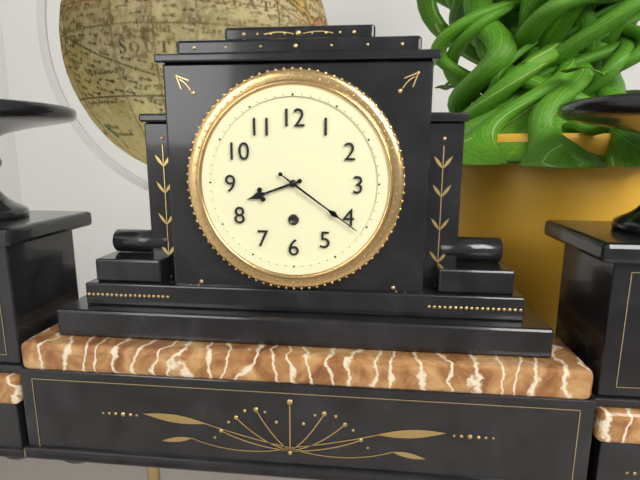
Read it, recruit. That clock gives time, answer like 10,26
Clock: 8,21
